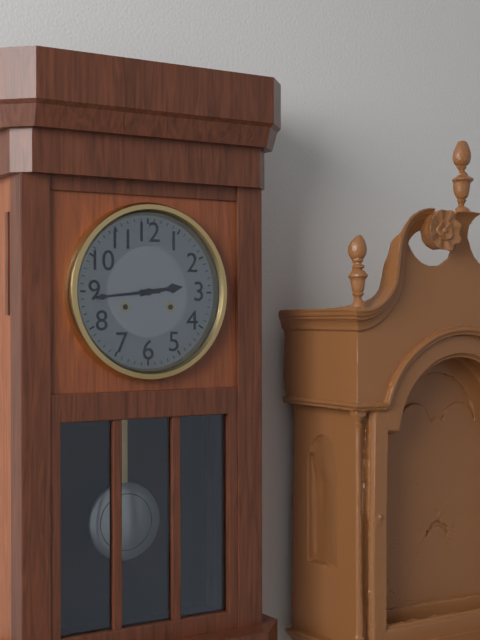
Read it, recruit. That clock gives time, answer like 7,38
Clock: 2,44
